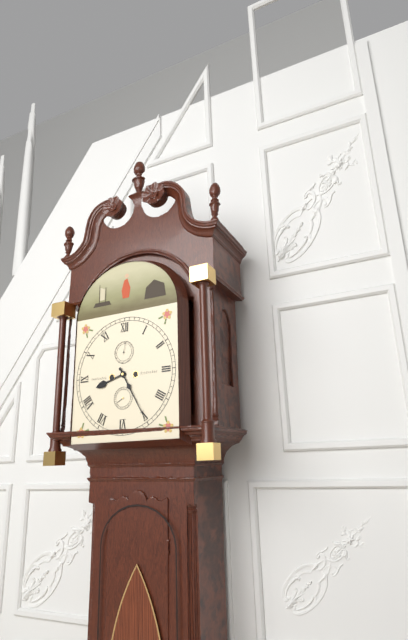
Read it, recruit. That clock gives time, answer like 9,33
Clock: 8,25
